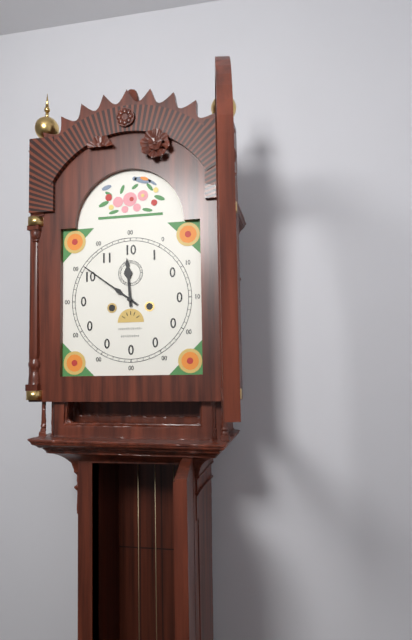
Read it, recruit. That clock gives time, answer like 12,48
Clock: 11,51
